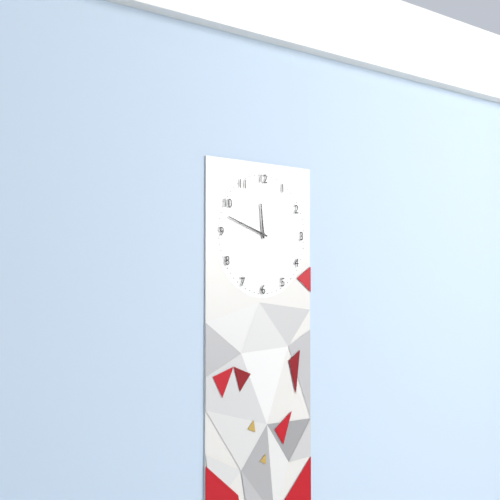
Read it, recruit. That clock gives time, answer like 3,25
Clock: 11,48
